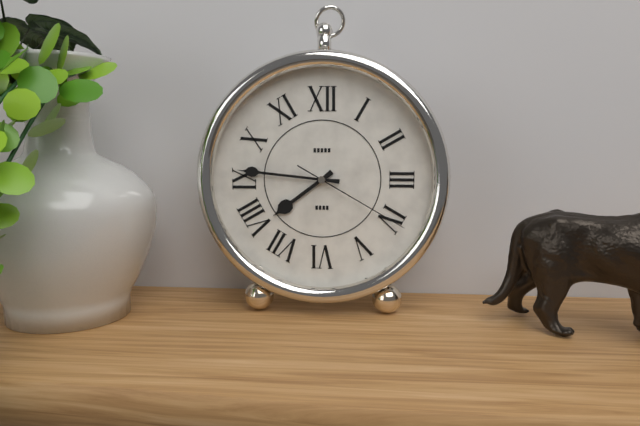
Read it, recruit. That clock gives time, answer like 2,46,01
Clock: 7,46,20
